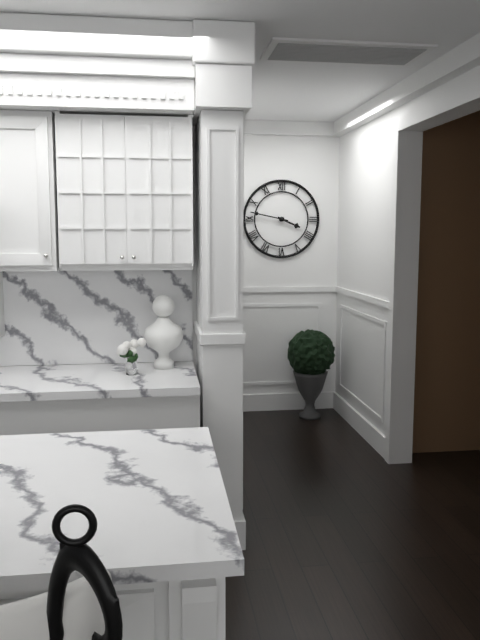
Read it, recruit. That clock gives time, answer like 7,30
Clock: 3,47
